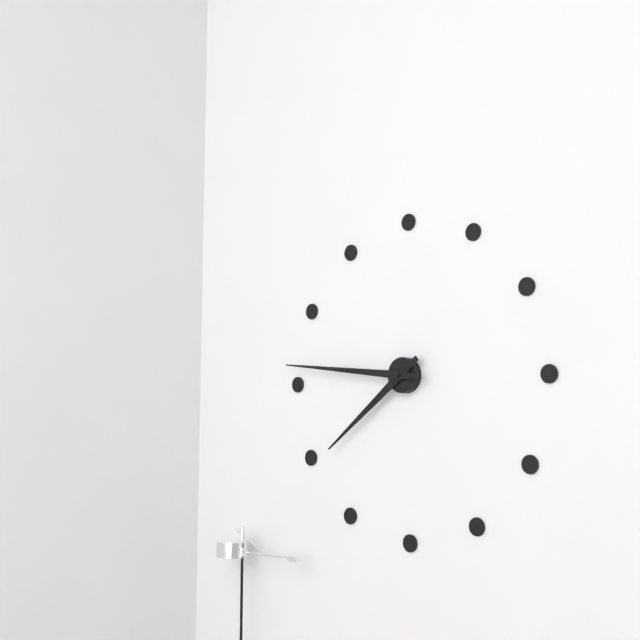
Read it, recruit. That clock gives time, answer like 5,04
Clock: 7,46
